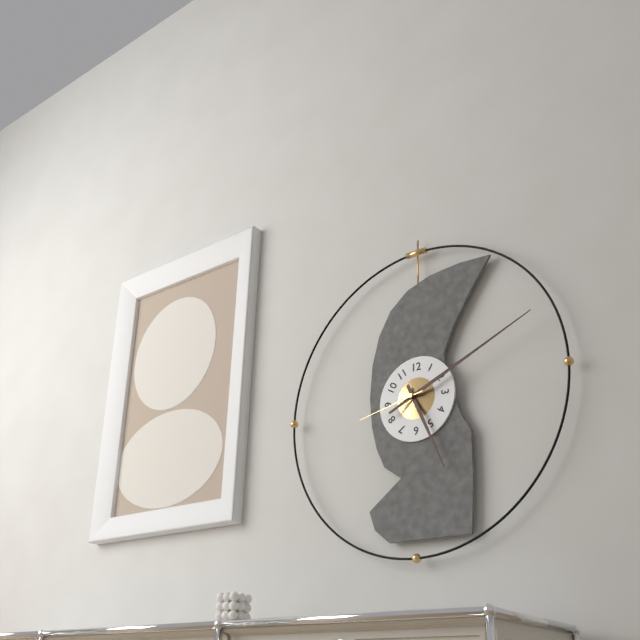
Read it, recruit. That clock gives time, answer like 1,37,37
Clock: 5,11,43
